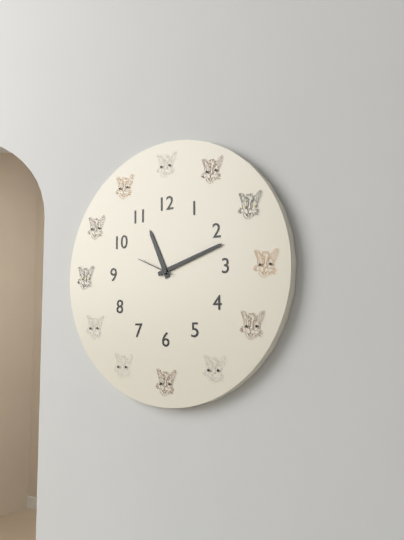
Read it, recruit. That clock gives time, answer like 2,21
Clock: 11,12
